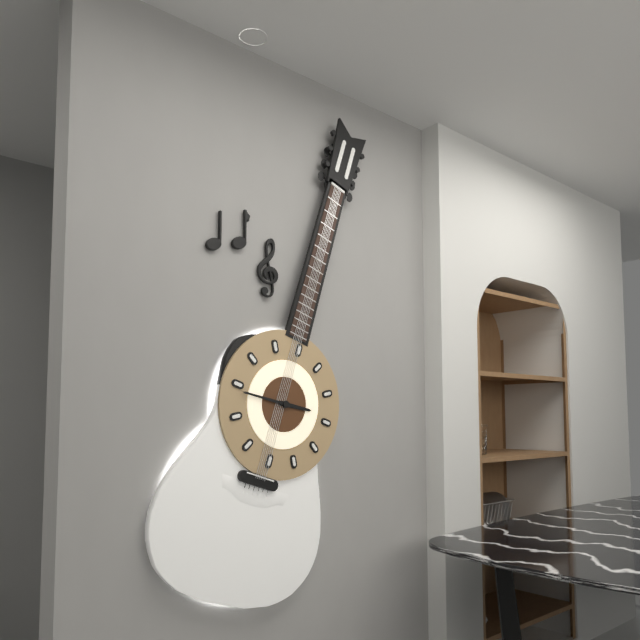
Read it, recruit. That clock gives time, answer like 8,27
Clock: 2,44
